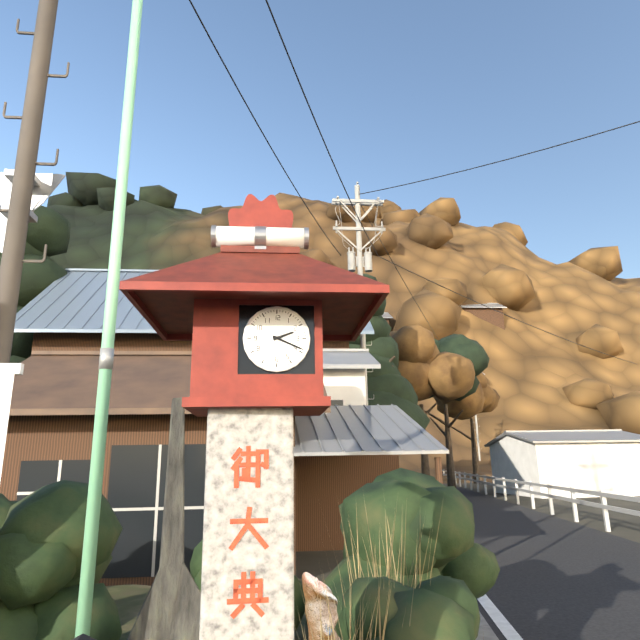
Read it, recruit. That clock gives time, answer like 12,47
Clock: 2,19
